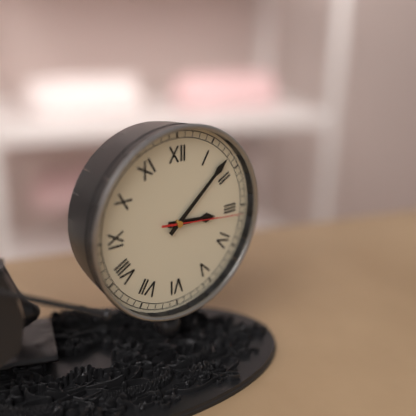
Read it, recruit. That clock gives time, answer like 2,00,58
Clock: 3,08,16
